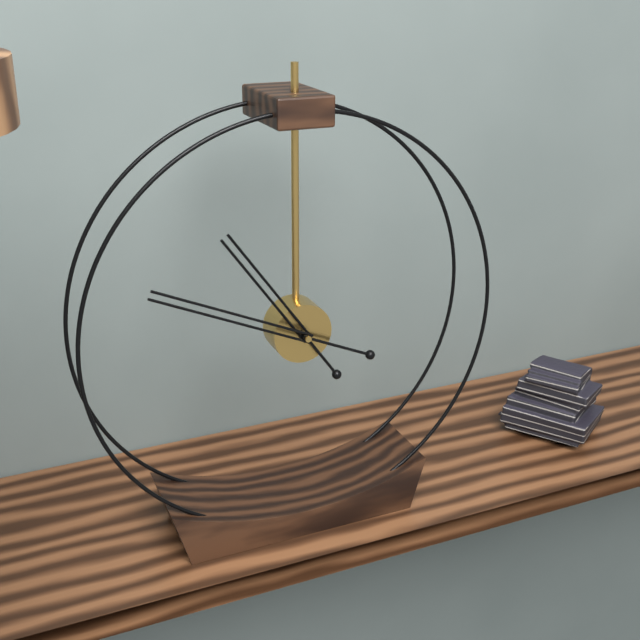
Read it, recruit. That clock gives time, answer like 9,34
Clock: 10,49
